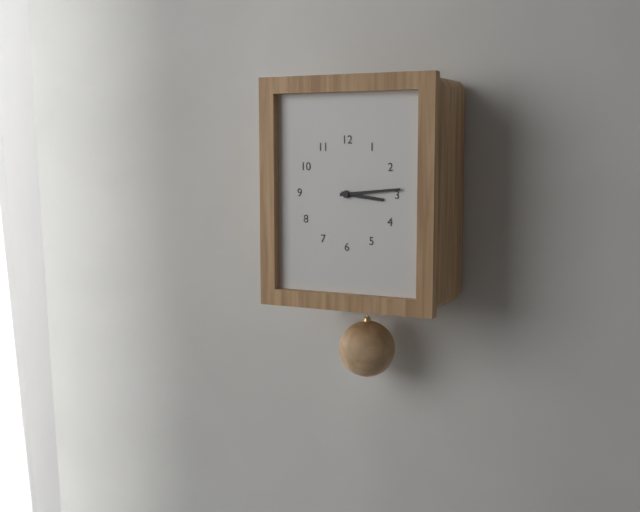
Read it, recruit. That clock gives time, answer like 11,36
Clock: 3,14
